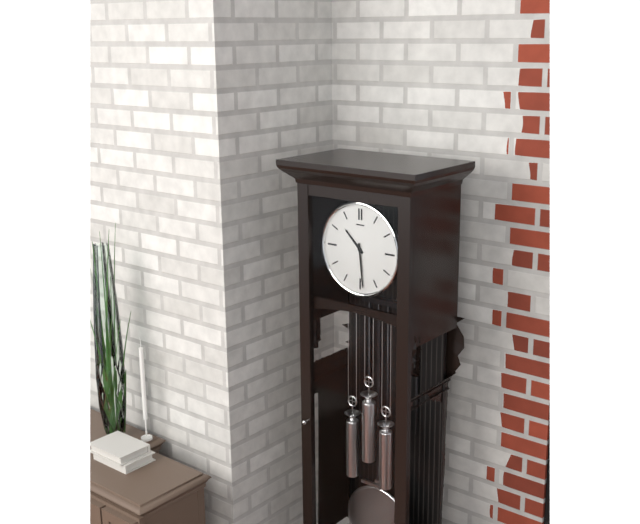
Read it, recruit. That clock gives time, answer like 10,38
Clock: 10,29
